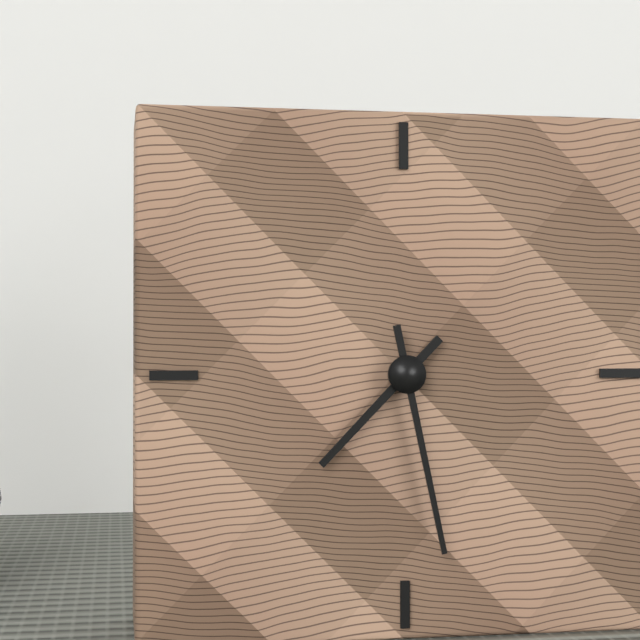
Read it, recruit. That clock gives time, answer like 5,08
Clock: 7,28
